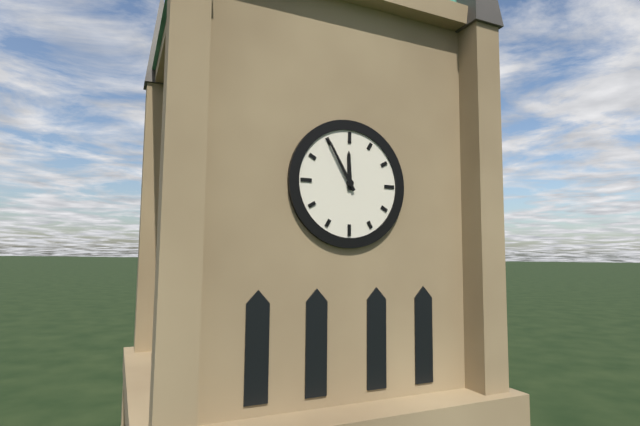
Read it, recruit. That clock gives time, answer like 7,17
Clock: 11,55
